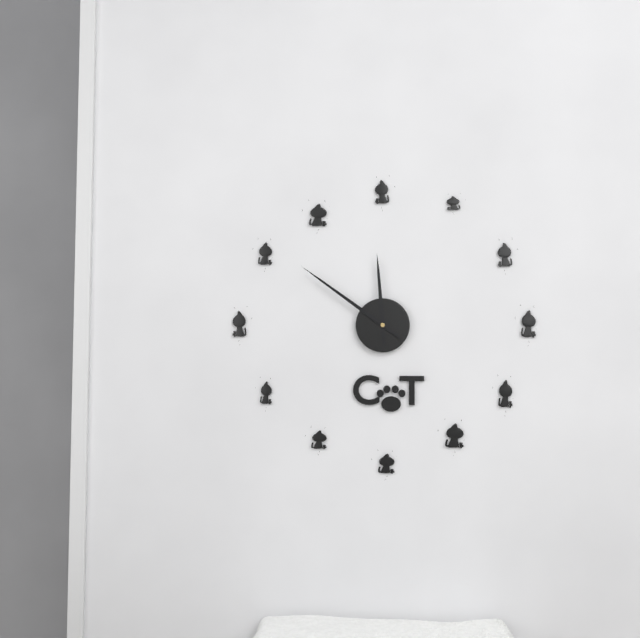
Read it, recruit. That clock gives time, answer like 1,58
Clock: 11,51
